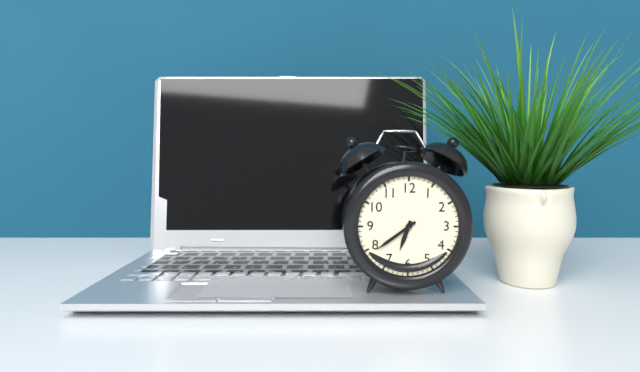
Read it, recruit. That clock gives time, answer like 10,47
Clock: 6,39
